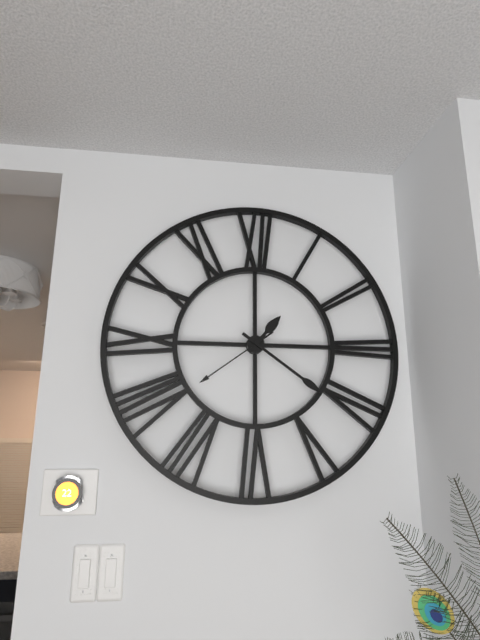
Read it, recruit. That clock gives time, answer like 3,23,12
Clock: 1,21,39
